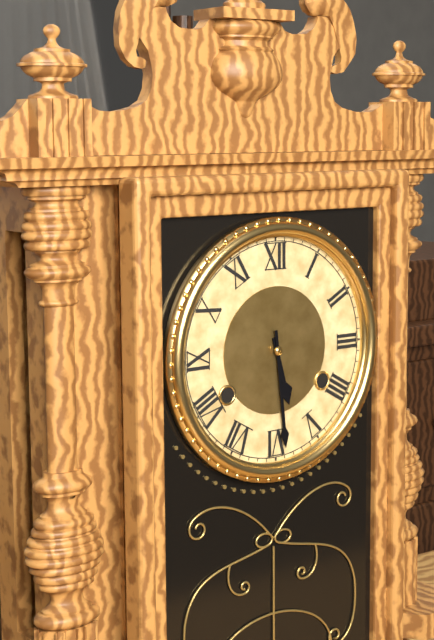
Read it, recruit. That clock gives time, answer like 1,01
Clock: 5,29
